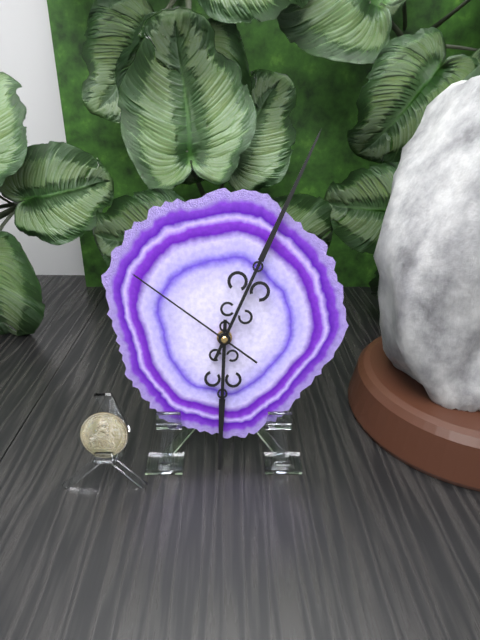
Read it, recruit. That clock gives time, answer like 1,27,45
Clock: 6,04,51
